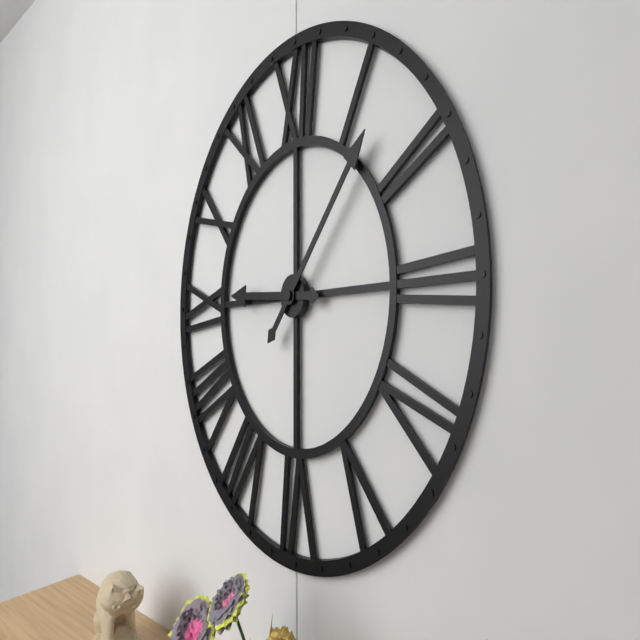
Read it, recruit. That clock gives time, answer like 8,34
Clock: 9,07
